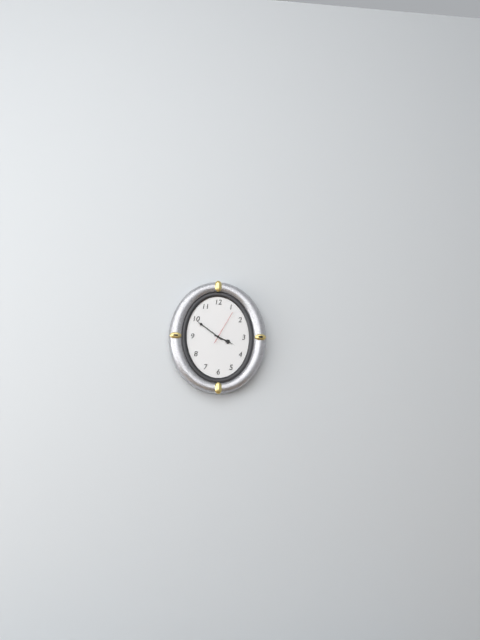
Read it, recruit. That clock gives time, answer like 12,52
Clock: 3,51
